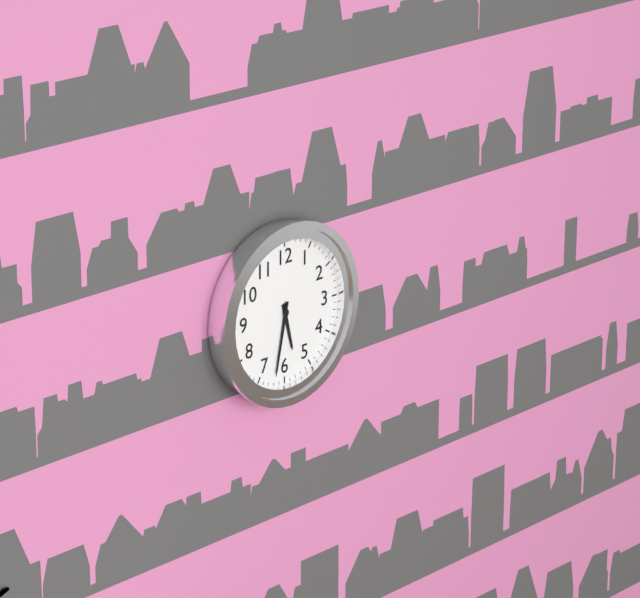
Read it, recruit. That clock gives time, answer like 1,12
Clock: 5,32
